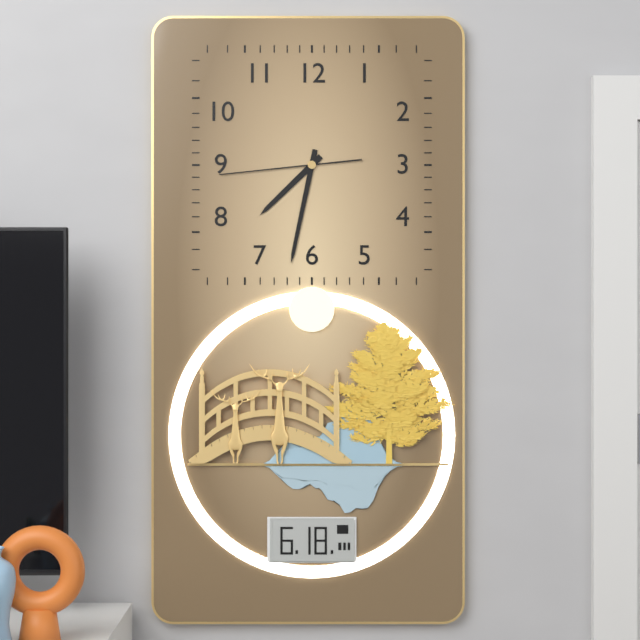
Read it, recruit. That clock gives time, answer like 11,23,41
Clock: 7,32,44
